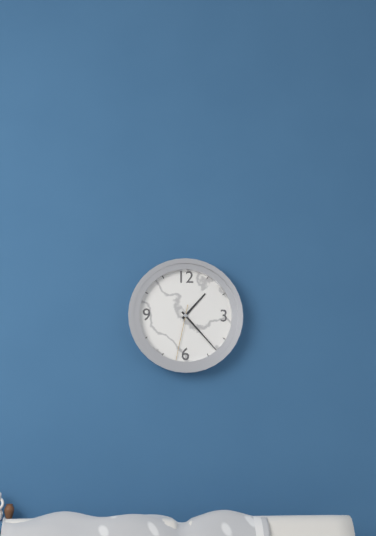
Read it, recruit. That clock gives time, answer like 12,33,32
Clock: 1,23,32
